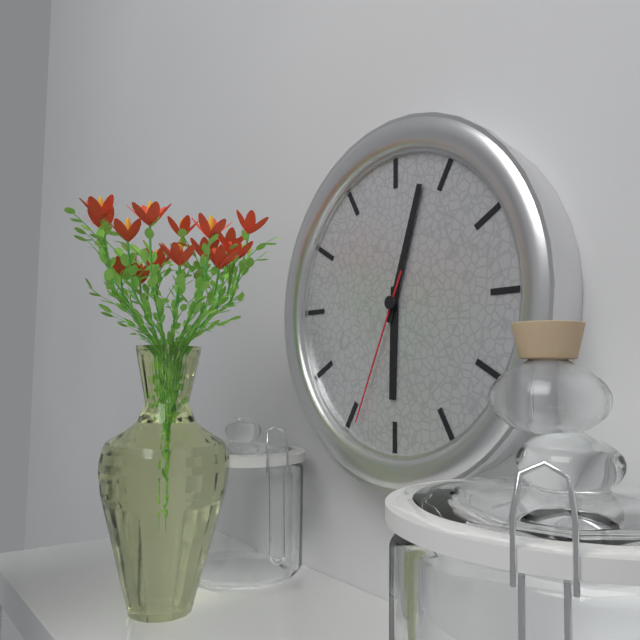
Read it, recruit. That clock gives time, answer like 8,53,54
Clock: 6,03,34
